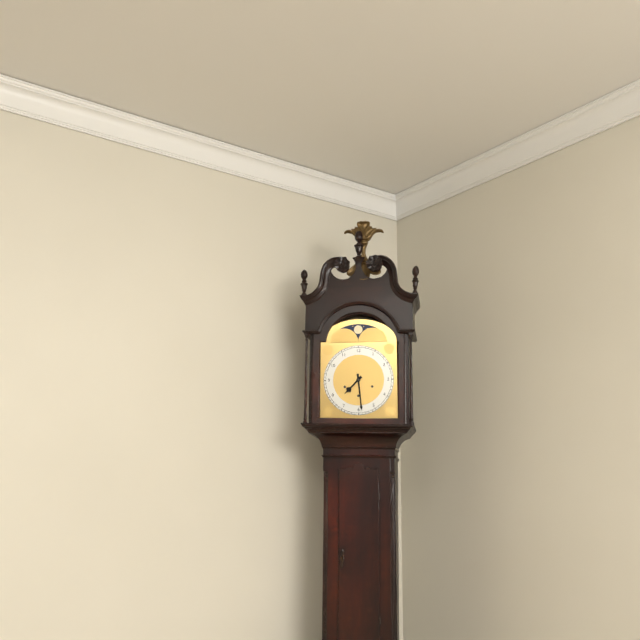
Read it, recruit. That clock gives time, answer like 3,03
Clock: 7,29
